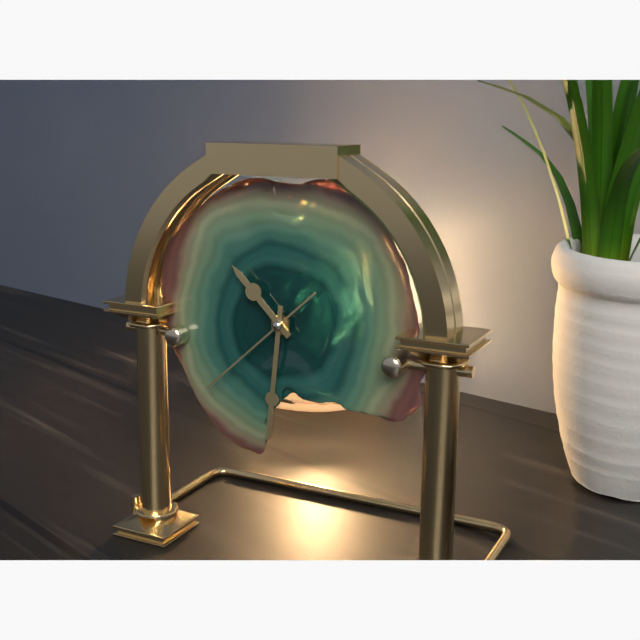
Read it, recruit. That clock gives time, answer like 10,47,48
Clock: 10,31,38
